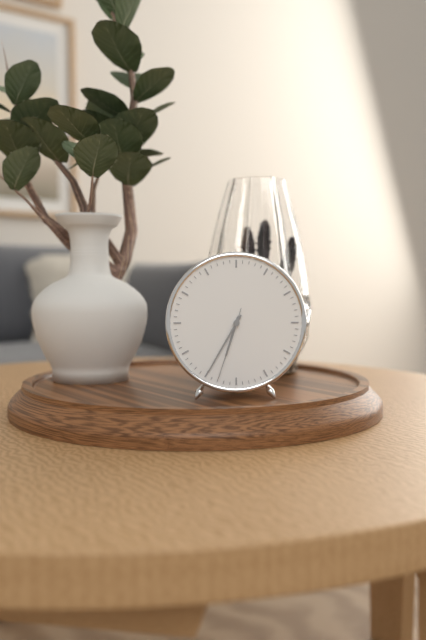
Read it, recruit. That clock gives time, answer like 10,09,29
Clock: 6,35,33
